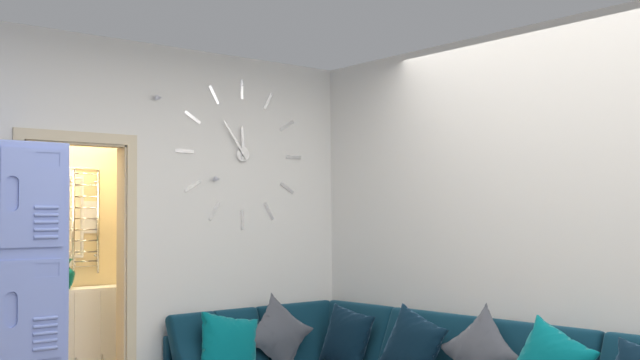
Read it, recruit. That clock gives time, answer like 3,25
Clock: 11,54
